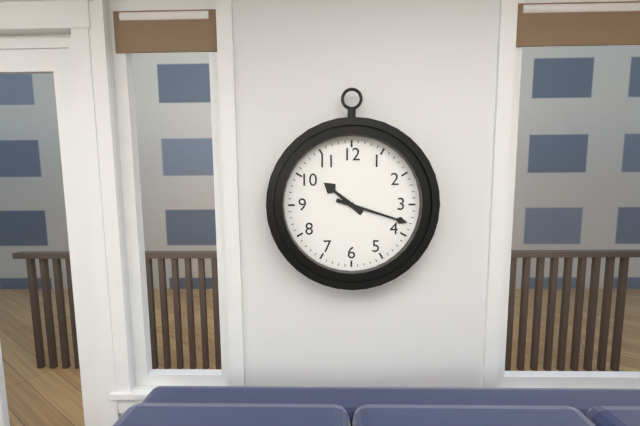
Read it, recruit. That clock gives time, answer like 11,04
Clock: 10,18
